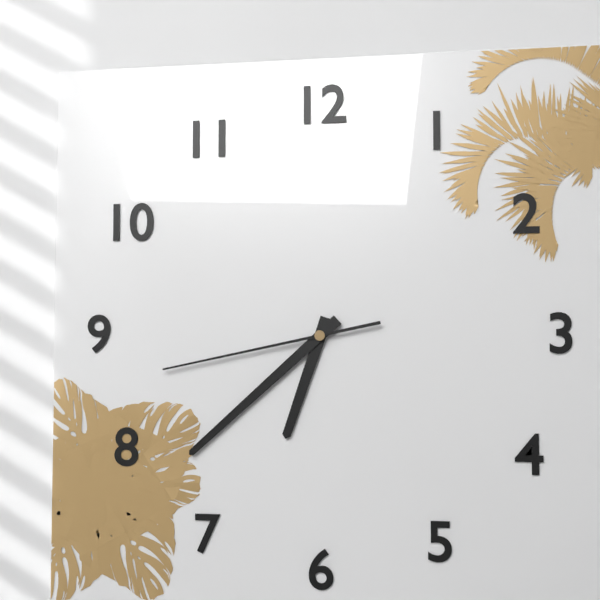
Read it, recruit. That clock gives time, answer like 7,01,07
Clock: 6,38,43
